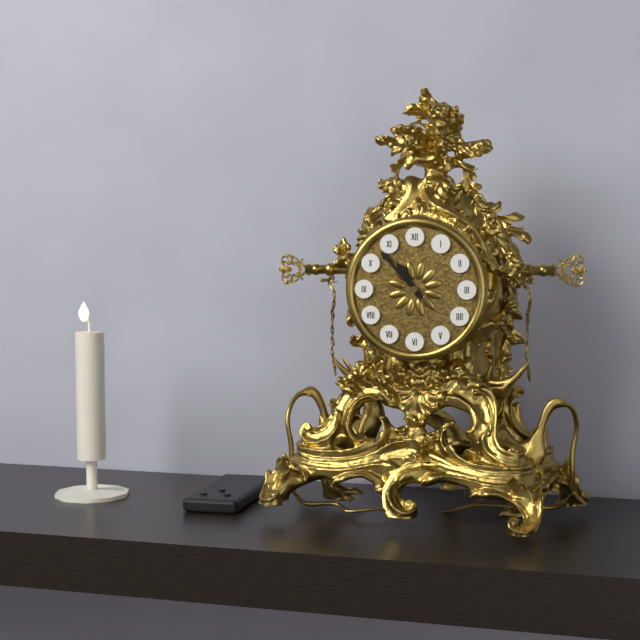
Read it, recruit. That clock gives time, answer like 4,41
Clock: 10,53
